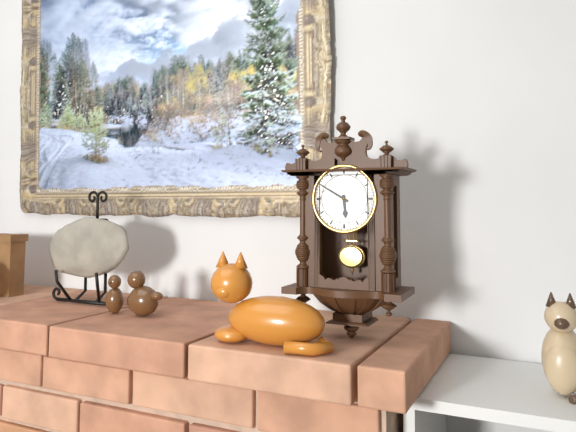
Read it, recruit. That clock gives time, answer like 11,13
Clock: 5,50
